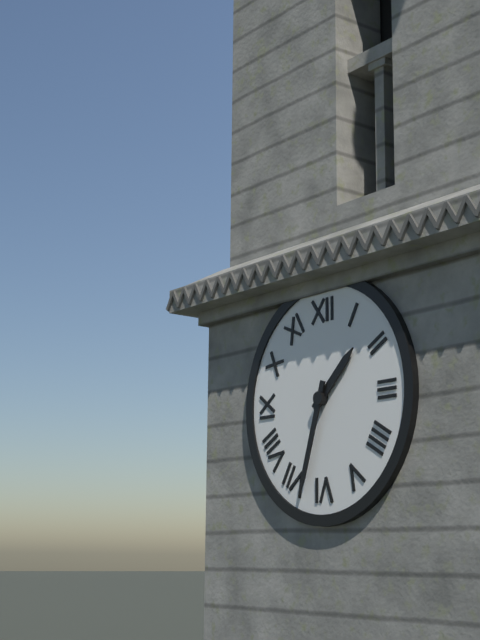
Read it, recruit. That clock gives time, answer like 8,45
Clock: 1,33
